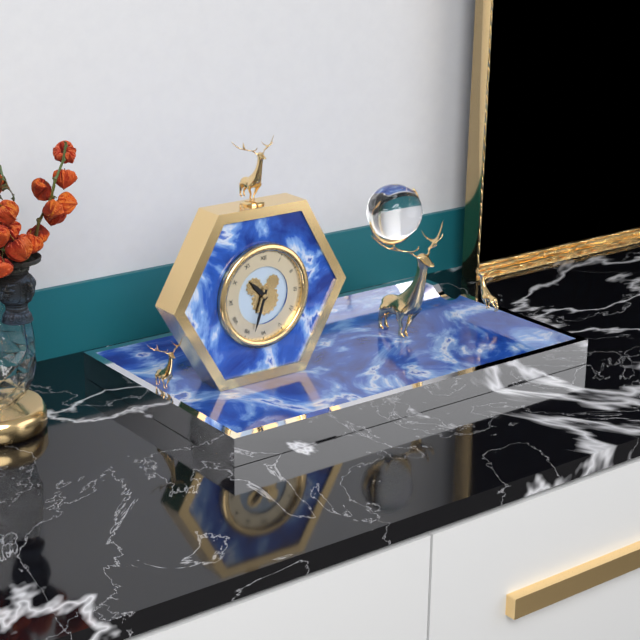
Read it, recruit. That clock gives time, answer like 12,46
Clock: 10,33
